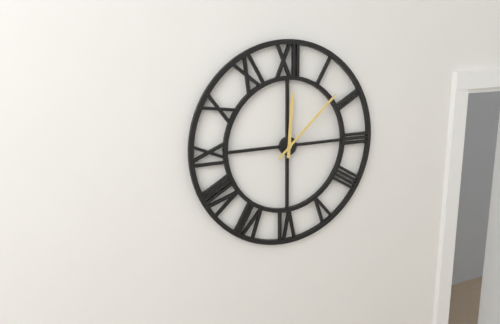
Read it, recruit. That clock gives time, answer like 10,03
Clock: 12,08
